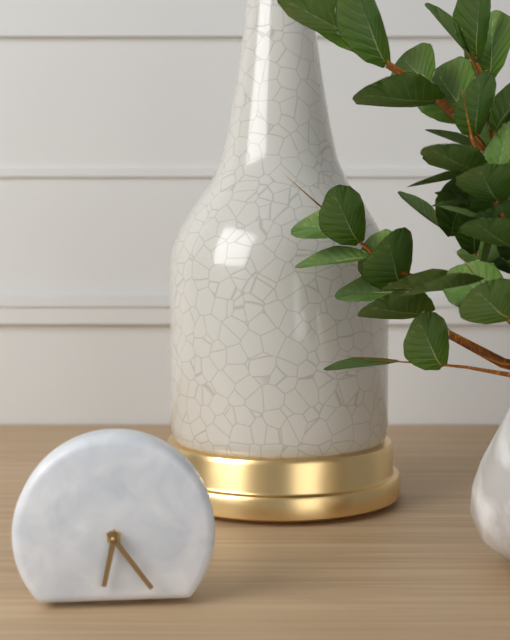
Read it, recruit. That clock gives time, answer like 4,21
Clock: 6,24
